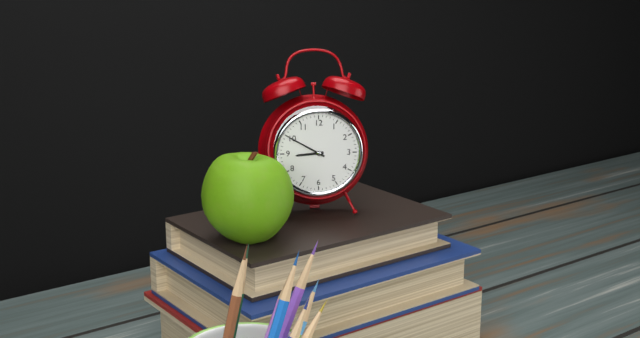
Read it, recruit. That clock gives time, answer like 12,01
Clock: 8,50
